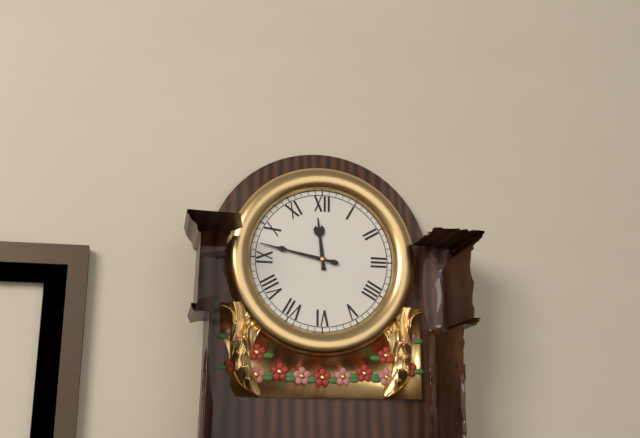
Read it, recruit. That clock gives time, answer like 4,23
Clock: 11,47
